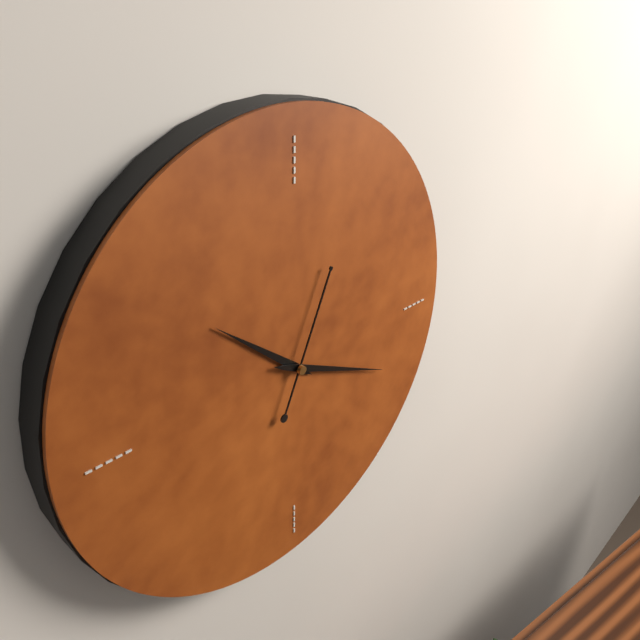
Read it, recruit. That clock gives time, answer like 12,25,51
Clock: 10,19,04
